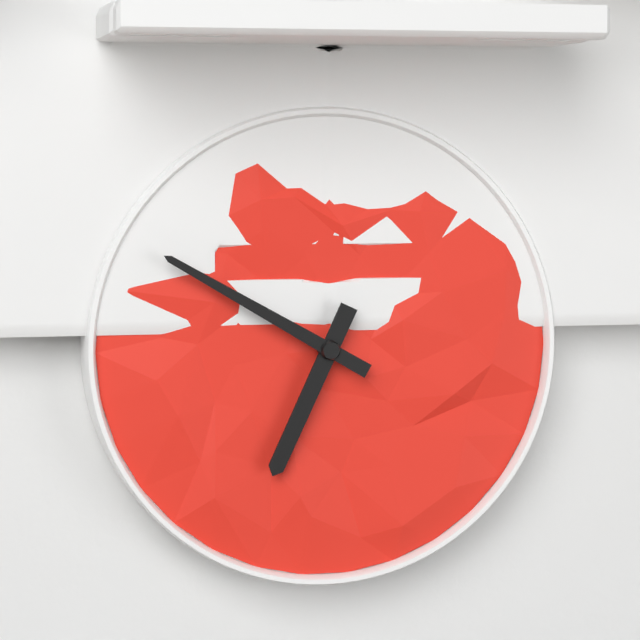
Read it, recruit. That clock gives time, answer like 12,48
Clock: 6,50
